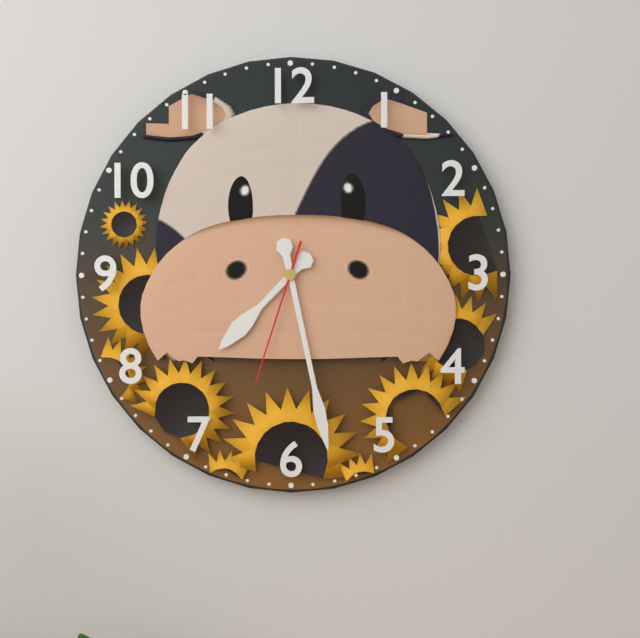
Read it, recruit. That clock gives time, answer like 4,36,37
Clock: 7,28,33
